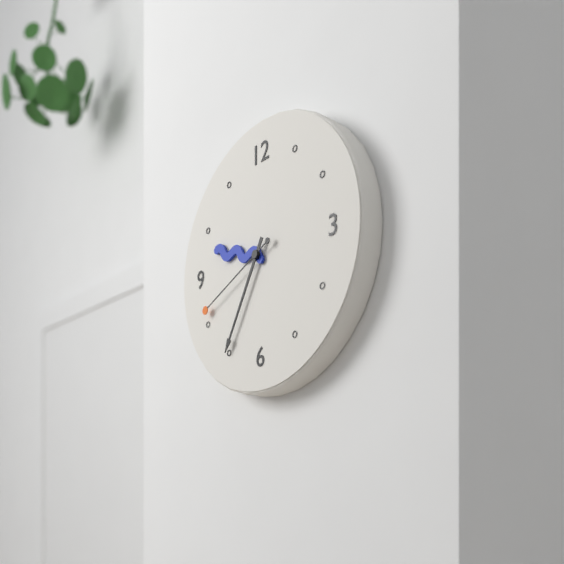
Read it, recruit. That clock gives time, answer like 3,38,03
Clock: 9,35,41
